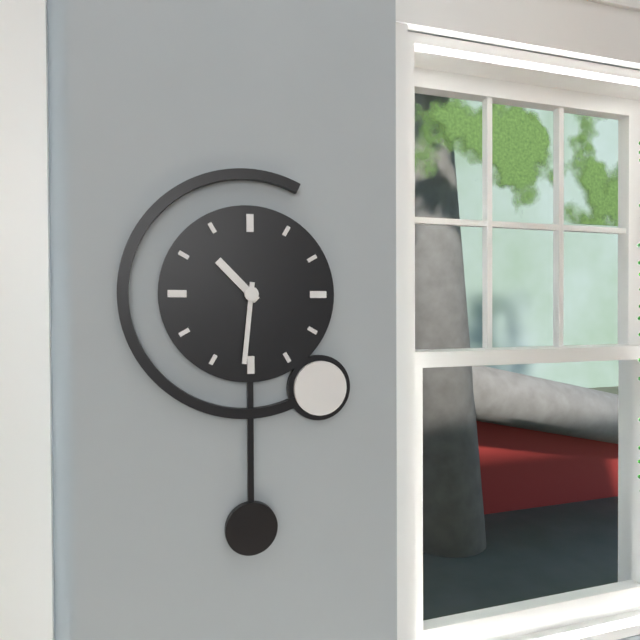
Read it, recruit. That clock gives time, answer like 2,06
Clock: 10,31
